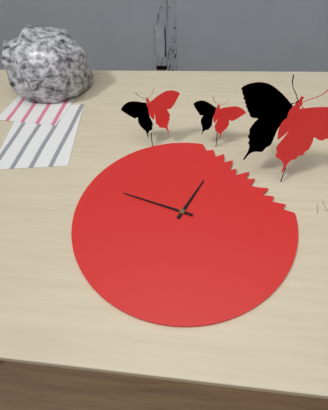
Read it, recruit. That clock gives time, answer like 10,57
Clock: 12,48
